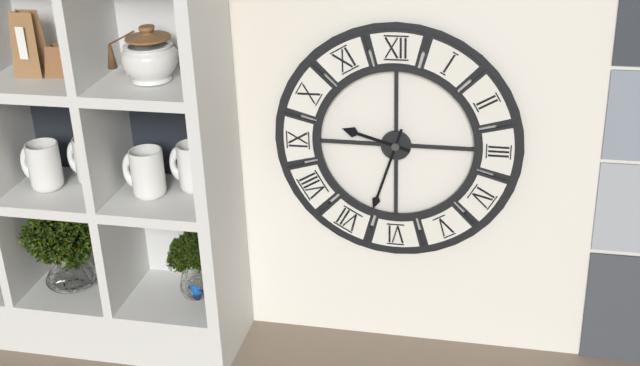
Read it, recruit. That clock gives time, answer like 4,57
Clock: 9,33
